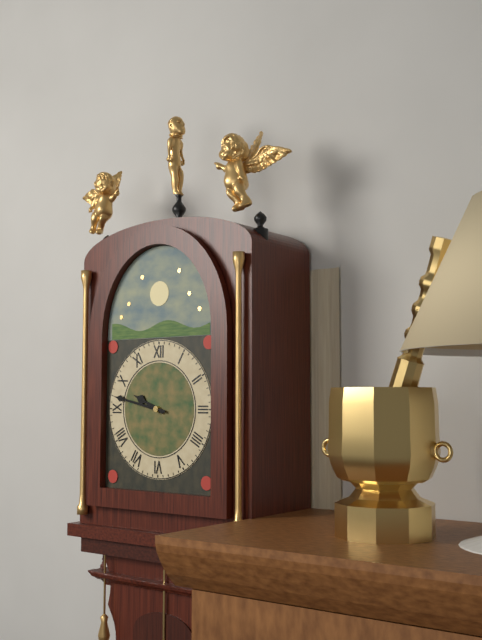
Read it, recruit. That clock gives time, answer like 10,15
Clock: 9,47
